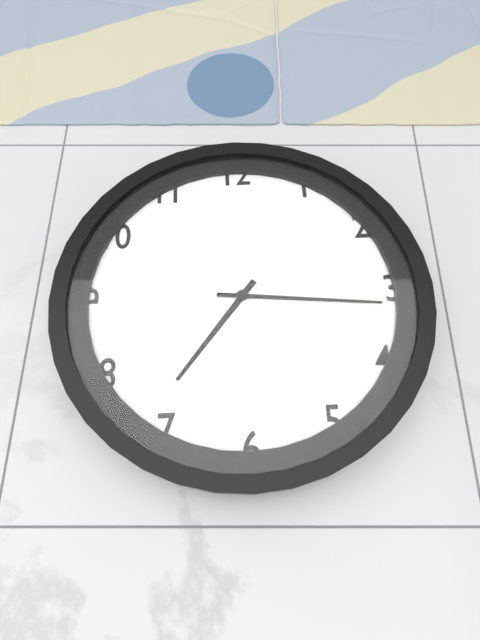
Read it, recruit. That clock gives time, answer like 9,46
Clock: 7,16
